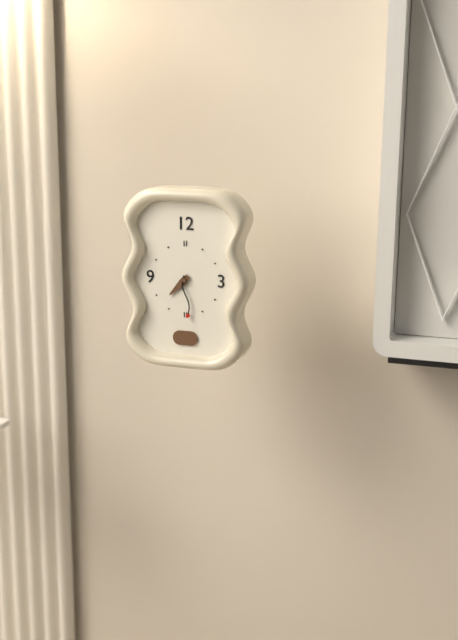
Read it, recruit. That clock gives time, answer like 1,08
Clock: 7,29
